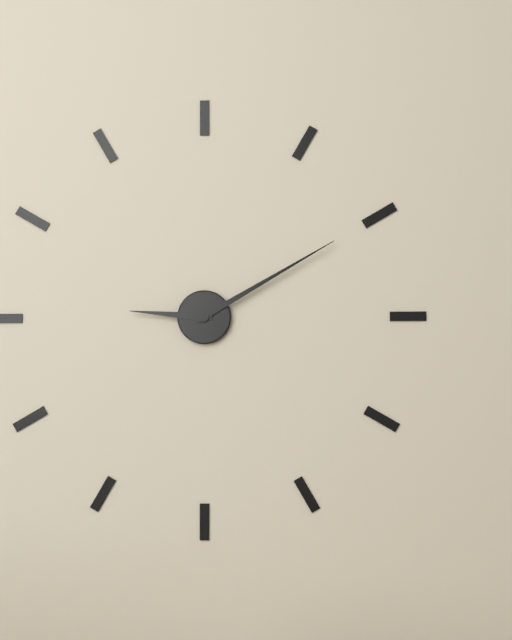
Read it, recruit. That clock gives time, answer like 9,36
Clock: 9,10
